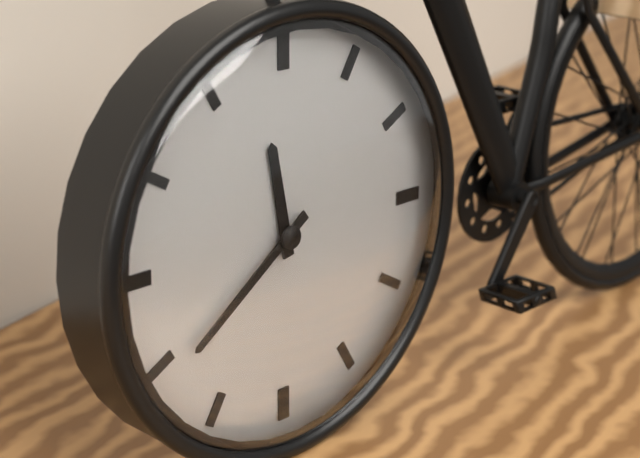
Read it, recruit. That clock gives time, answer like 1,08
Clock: 11,39
